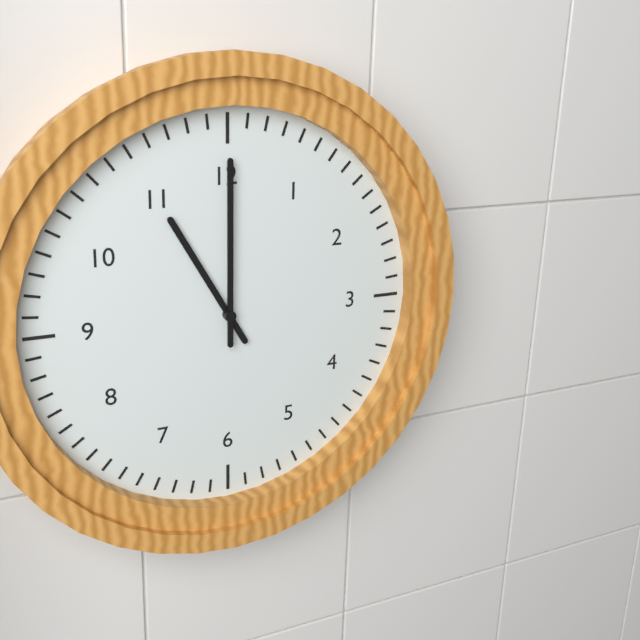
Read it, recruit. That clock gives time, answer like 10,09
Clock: 11,00
